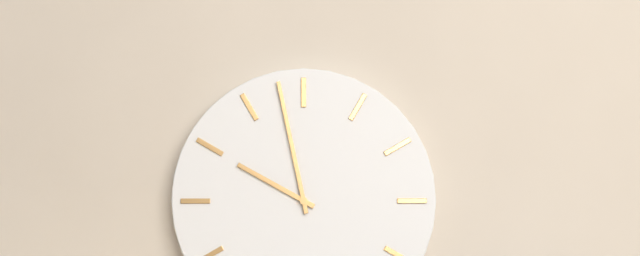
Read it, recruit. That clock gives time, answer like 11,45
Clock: 9,58
